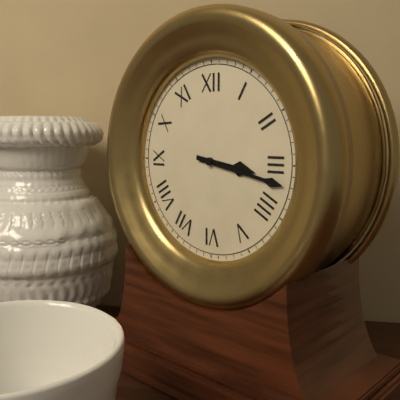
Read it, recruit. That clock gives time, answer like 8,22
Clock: 3,17
